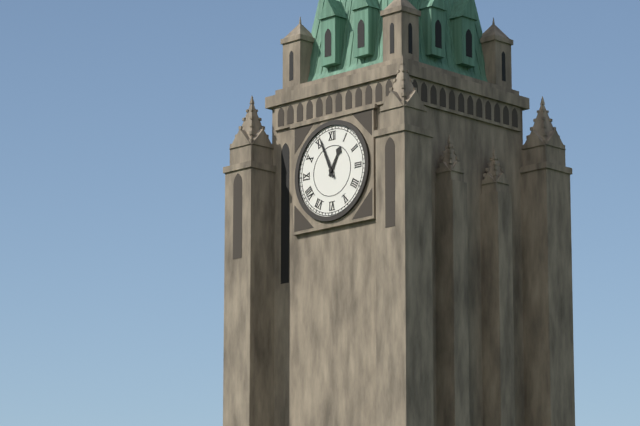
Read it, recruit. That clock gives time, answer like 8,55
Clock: 12,56
